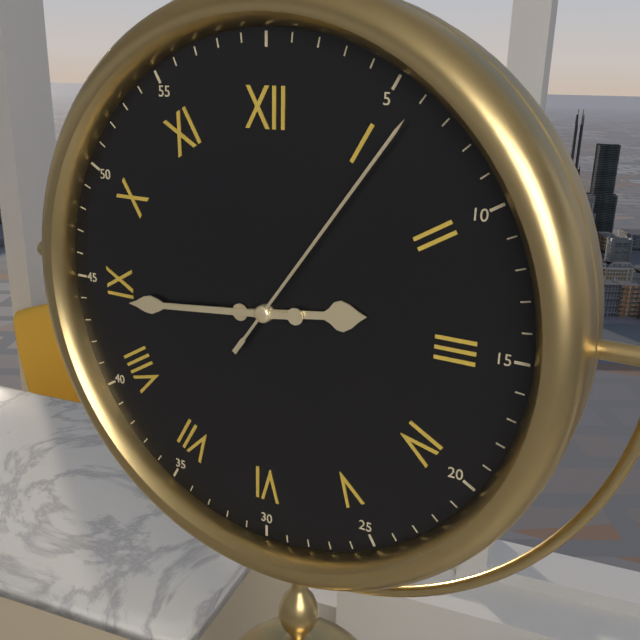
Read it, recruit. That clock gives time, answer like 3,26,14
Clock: 2,44,06
